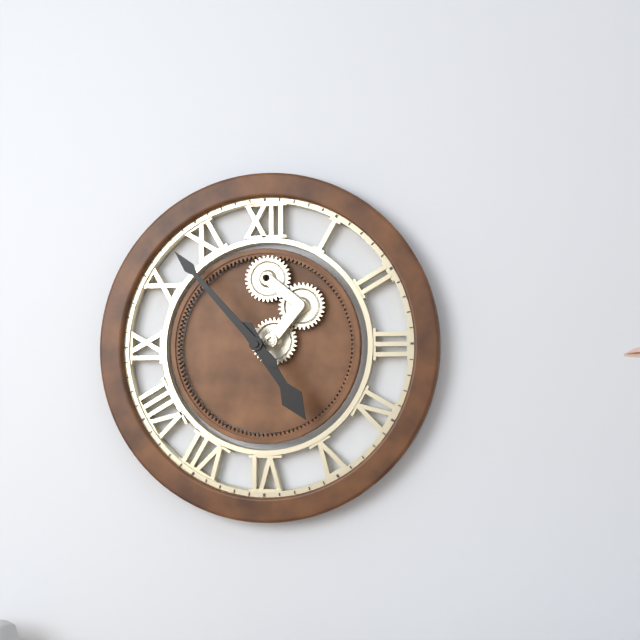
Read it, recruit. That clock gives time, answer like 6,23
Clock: 4,53
